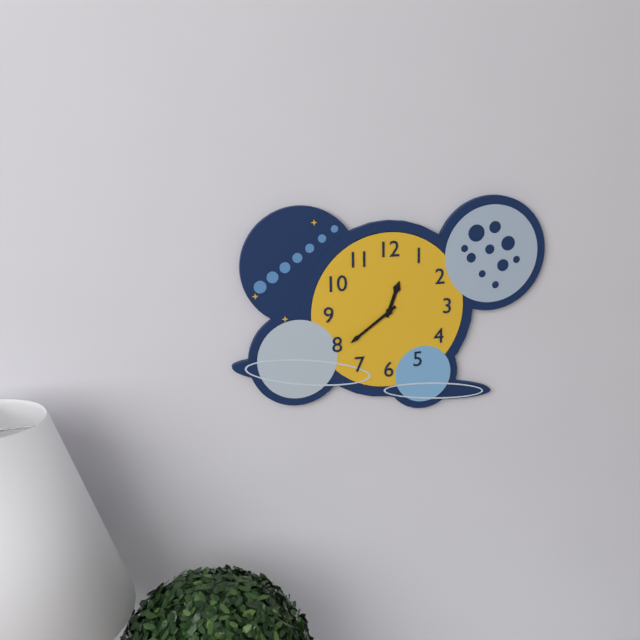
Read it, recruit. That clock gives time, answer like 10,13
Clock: 12,39
